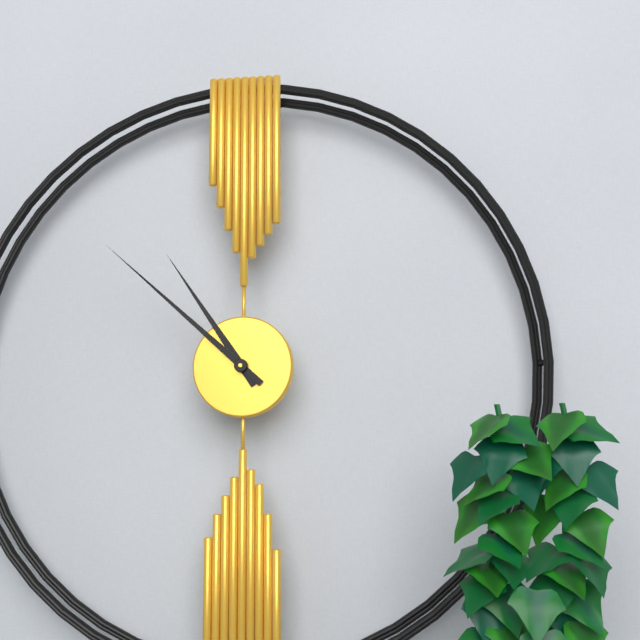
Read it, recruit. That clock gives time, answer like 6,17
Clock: 10,52
